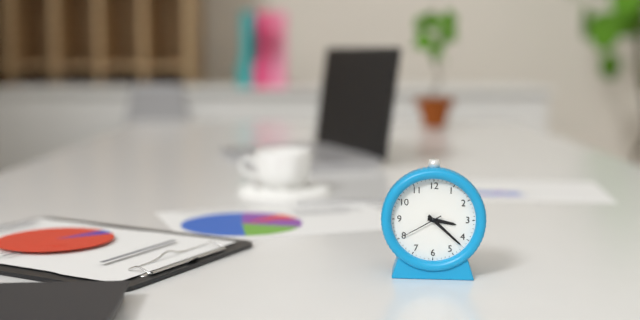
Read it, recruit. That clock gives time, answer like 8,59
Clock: 3,22
